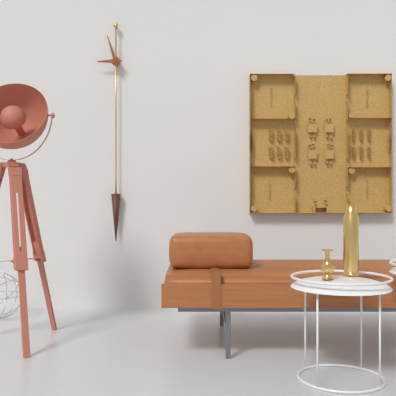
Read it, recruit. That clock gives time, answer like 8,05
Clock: 8,57
